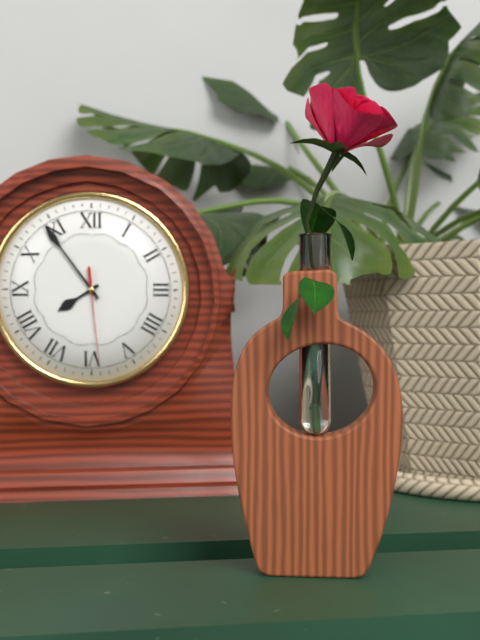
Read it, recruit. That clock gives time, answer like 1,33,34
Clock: 7,54,29
